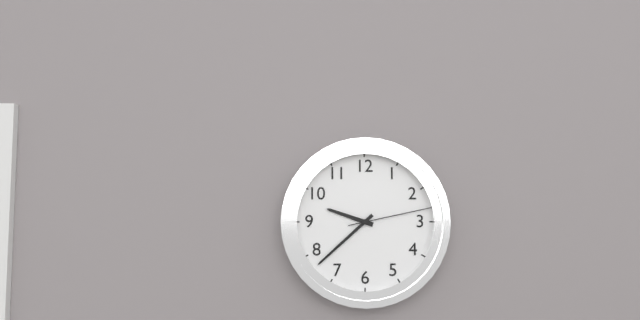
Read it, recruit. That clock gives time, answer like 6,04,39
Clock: 9,38,13
